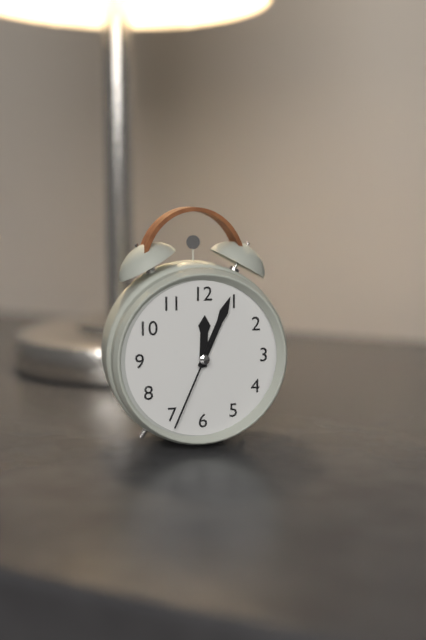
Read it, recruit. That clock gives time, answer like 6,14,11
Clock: 12,04,34
